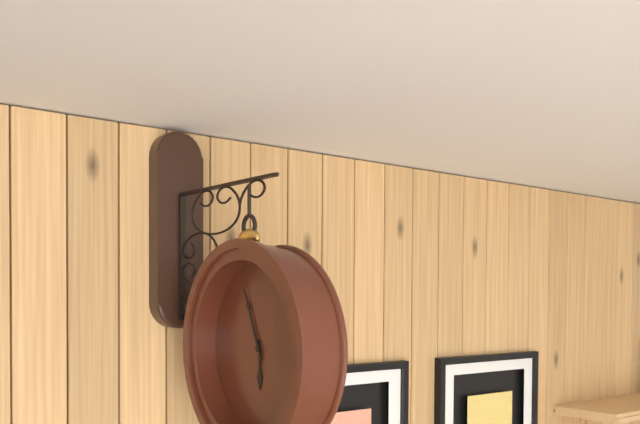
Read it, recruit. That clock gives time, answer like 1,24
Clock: 5,56
